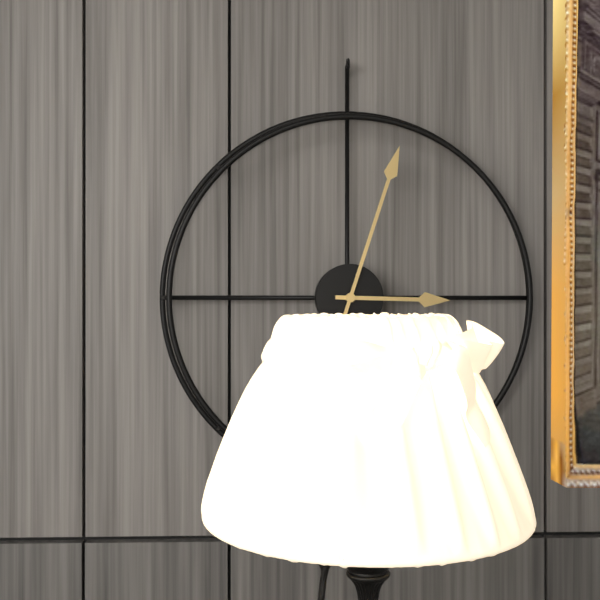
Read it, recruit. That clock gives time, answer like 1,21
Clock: 3,03
